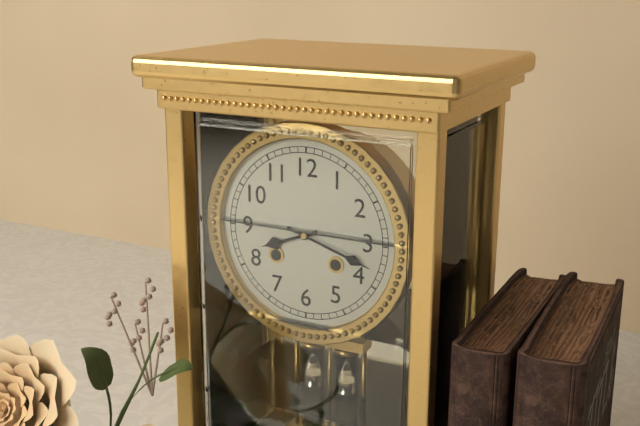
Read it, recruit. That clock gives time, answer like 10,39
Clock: 8,18
